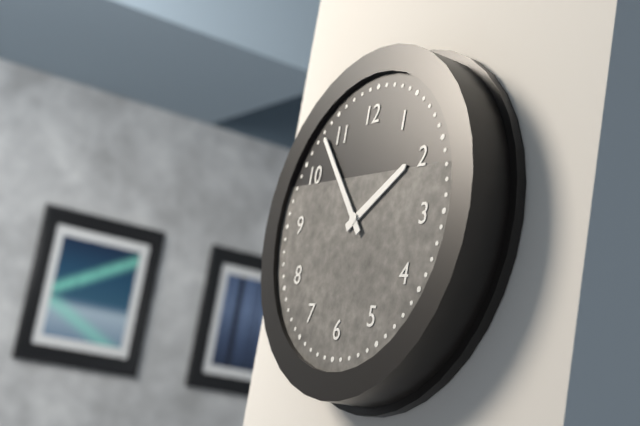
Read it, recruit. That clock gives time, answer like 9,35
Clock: 1,53
